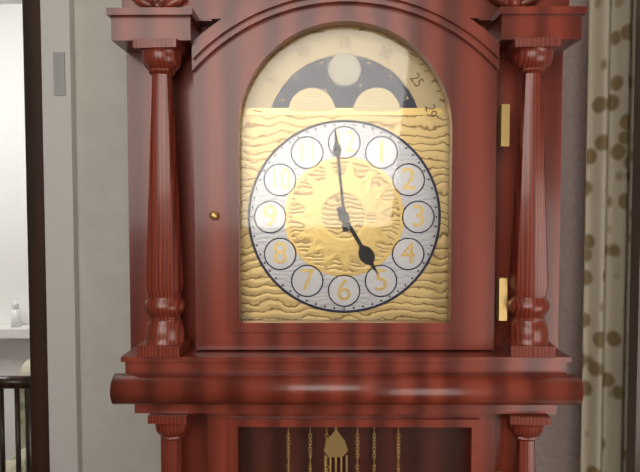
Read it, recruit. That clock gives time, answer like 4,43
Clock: 4,59
